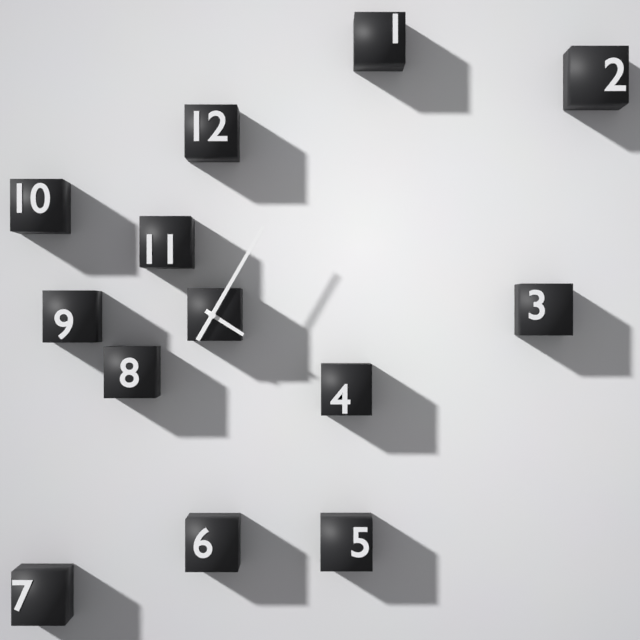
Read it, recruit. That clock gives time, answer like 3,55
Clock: 4,05
